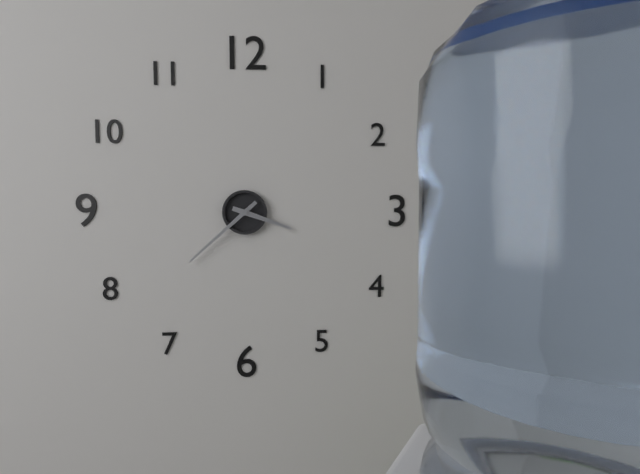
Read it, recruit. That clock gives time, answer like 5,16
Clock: 3,38
